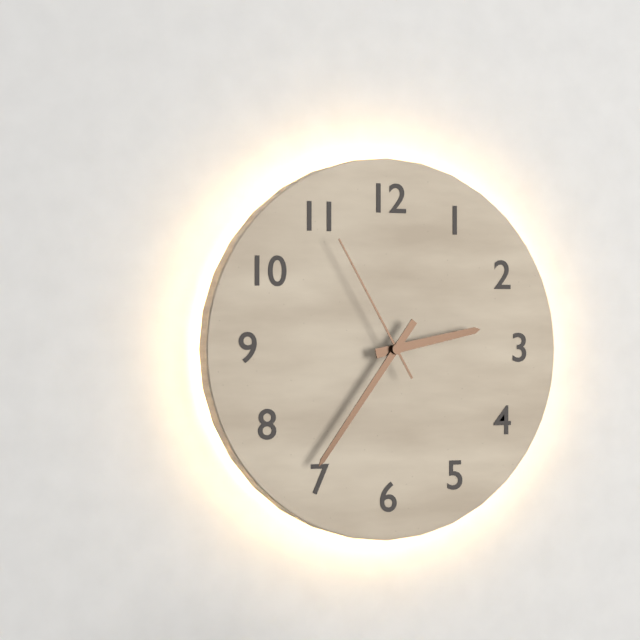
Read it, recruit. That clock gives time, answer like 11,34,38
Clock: 2,36,55
